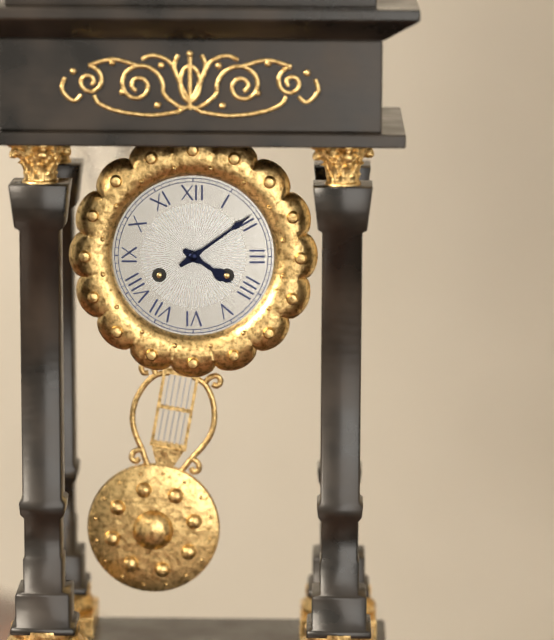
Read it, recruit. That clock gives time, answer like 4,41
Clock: 4,09
